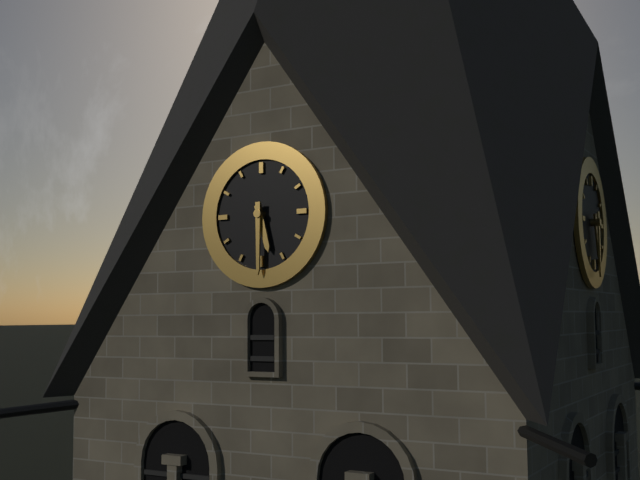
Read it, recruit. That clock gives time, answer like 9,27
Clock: 5,30
